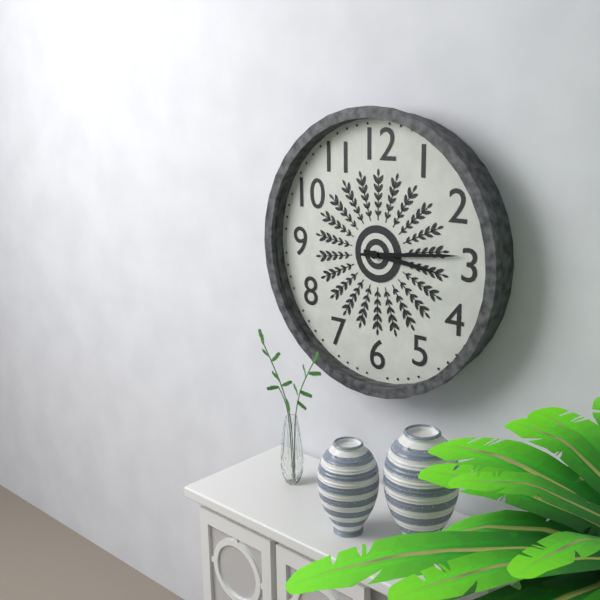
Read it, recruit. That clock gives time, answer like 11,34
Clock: 3,14
